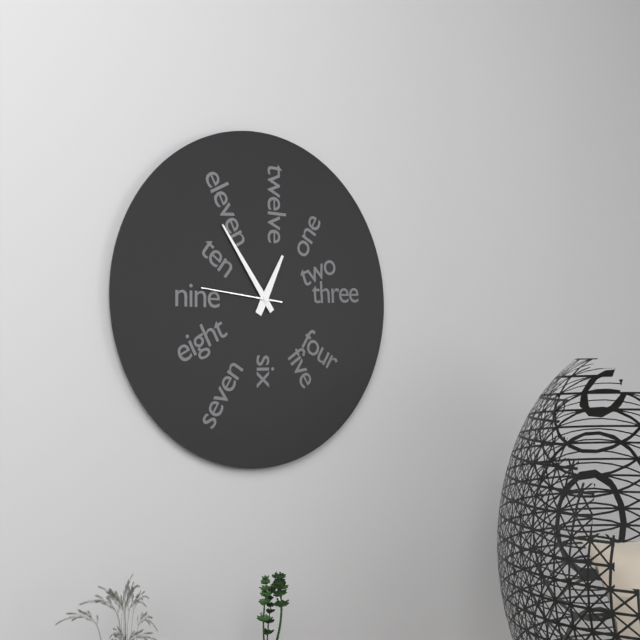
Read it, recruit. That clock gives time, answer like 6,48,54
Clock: 12,54,46
